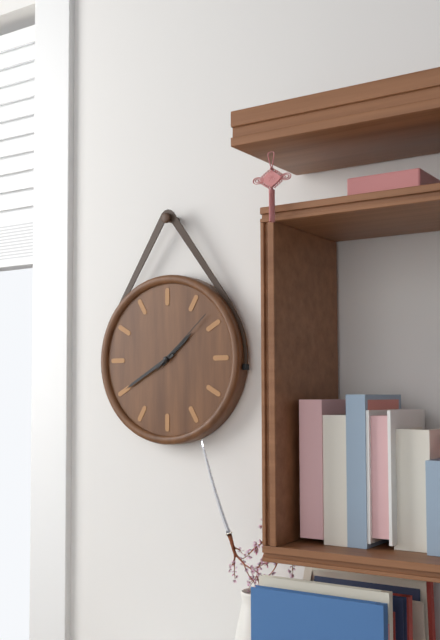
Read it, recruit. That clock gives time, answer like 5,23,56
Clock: 1,40,08
